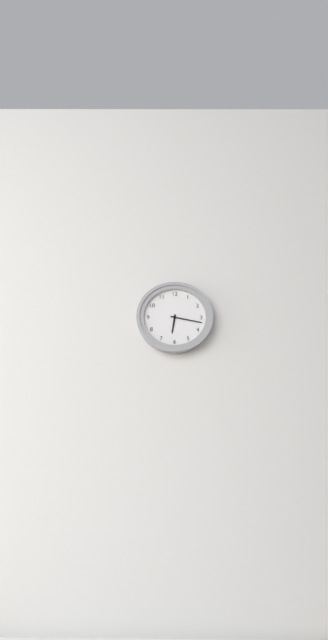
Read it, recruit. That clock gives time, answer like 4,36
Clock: 6,17
